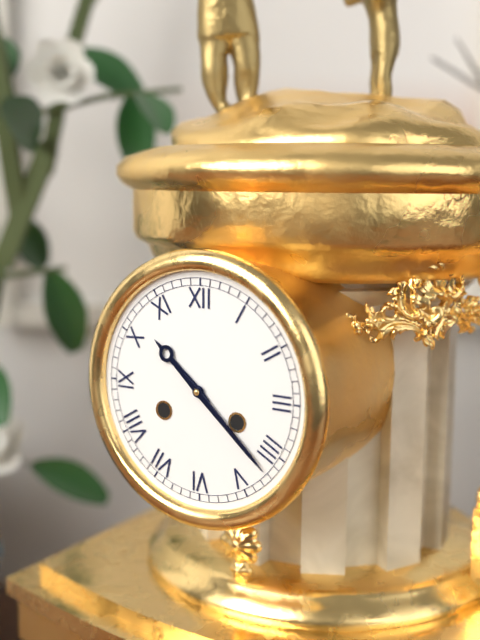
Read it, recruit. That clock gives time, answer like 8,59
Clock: 10,22
